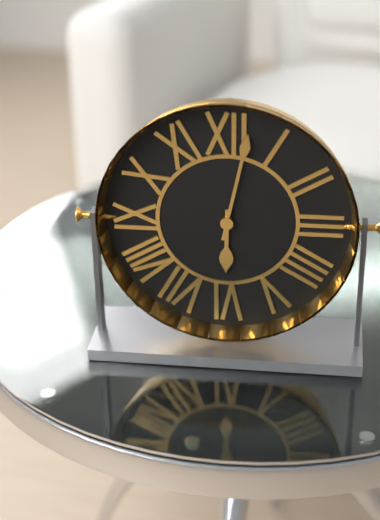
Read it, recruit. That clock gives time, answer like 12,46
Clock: 6,02
